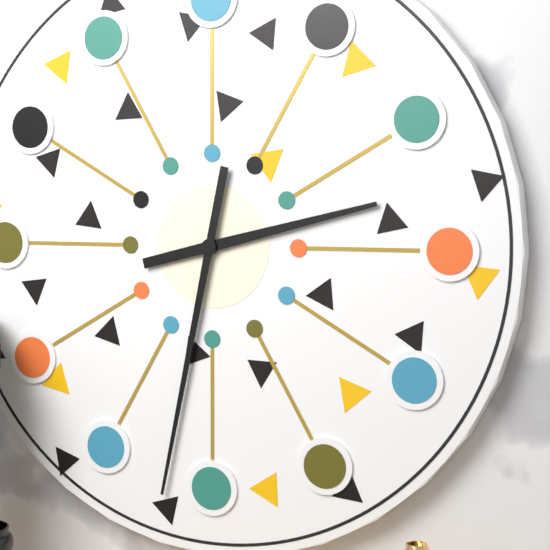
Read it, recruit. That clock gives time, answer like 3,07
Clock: 2,32
